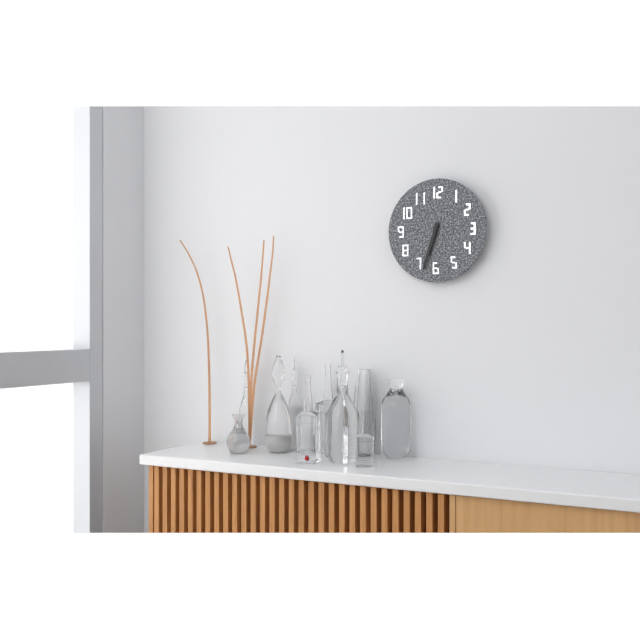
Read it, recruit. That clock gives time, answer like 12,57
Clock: 6,33
